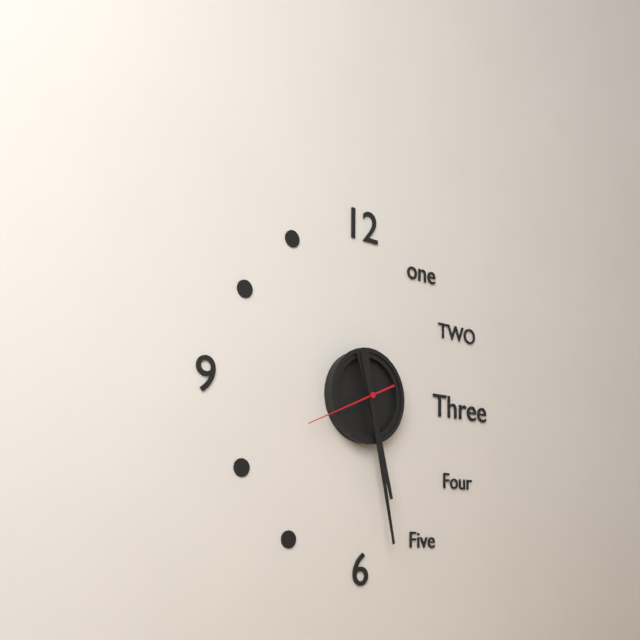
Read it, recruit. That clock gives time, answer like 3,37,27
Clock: 5,28,41
